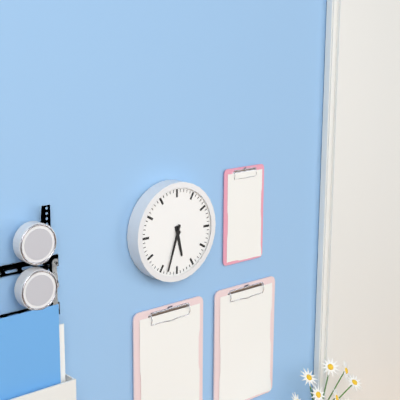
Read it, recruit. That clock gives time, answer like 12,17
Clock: 5,33
